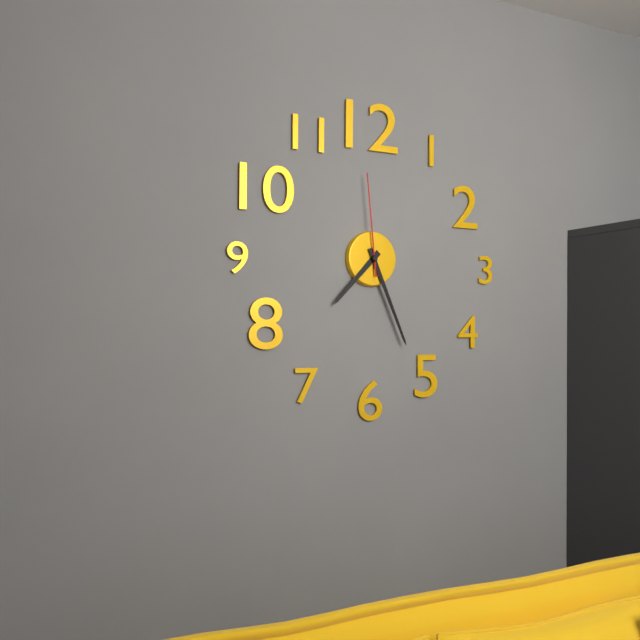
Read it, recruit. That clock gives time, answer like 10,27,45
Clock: 7,26,59
